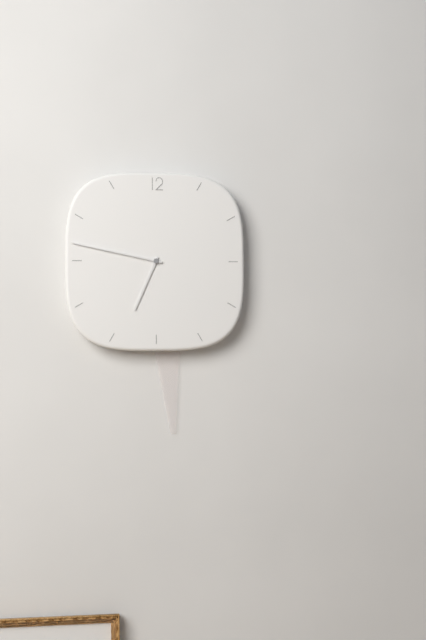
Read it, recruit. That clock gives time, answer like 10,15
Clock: 6,47
